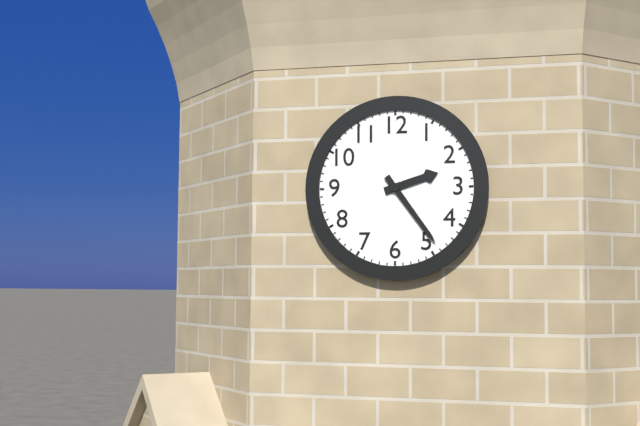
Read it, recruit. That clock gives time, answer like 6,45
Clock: 2,24
